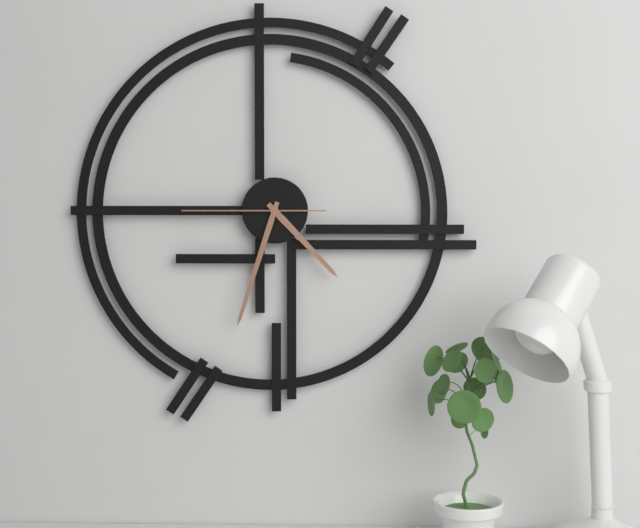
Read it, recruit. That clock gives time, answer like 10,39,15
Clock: 4,33,45
